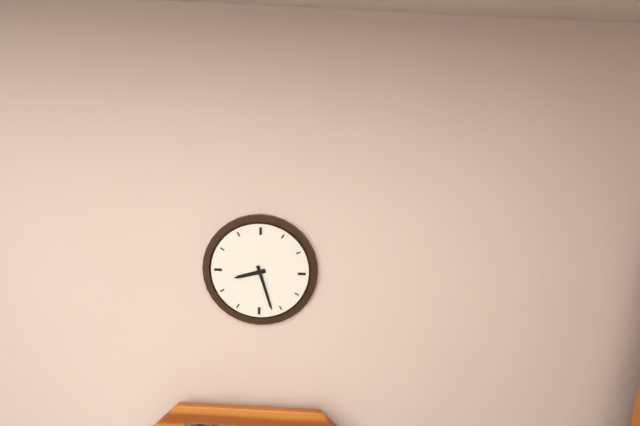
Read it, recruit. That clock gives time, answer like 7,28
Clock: 8,27
